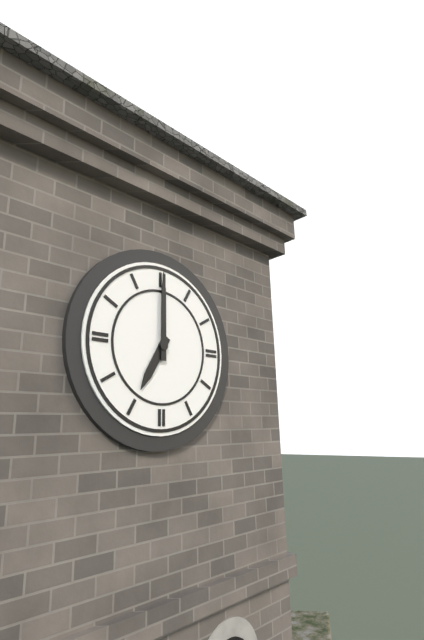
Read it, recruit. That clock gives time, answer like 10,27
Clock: 7,00
